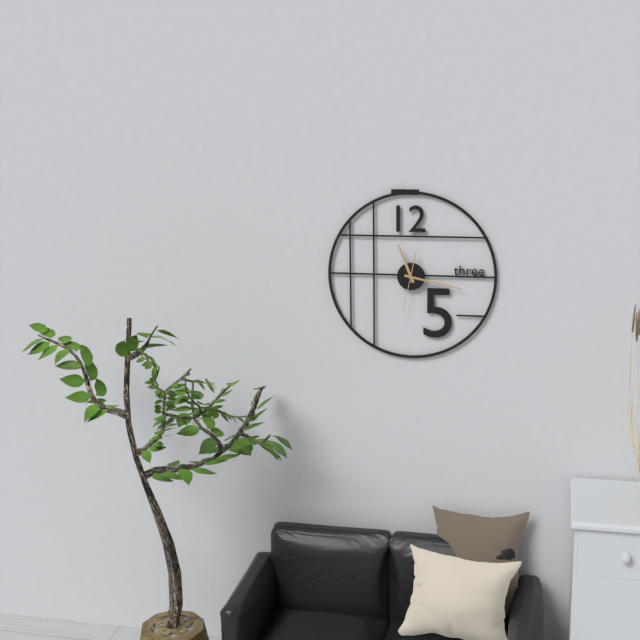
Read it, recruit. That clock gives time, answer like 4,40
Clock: 11,17
